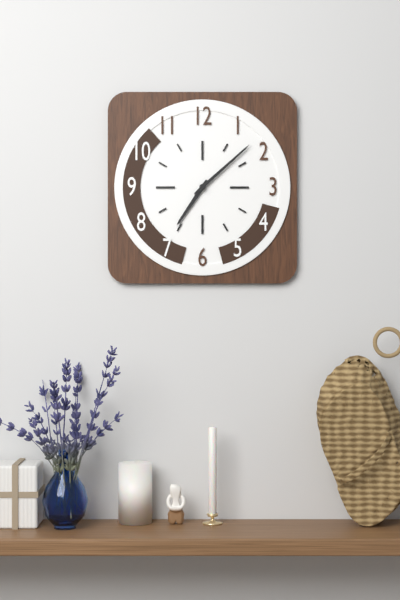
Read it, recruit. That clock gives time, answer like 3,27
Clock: 7,08
